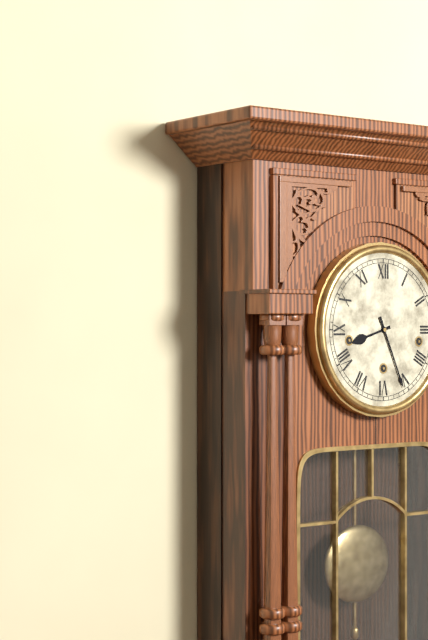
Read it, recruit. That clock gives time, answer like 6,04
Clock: 8,26
